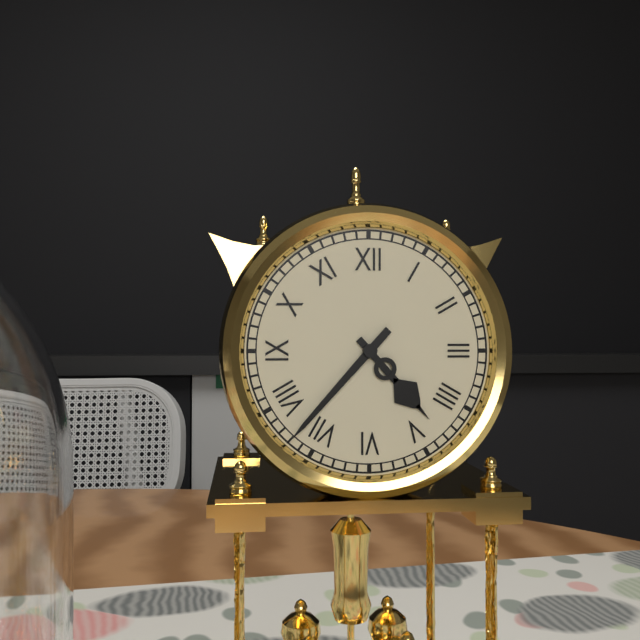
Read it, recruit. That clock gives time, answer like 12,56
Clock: 4,37
